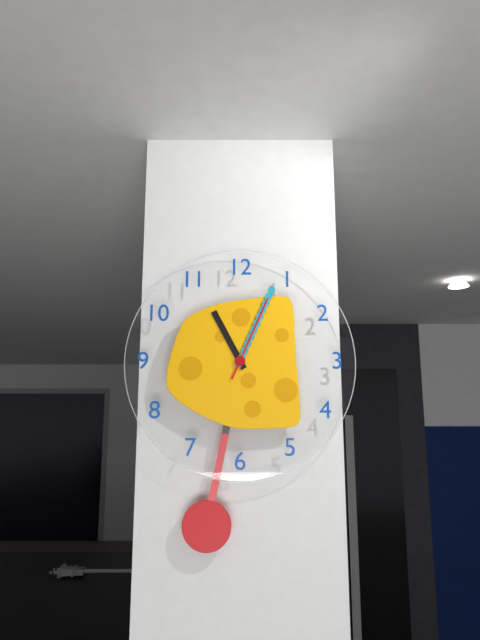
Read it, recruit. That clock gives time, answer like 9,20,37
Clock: 11,04,04
